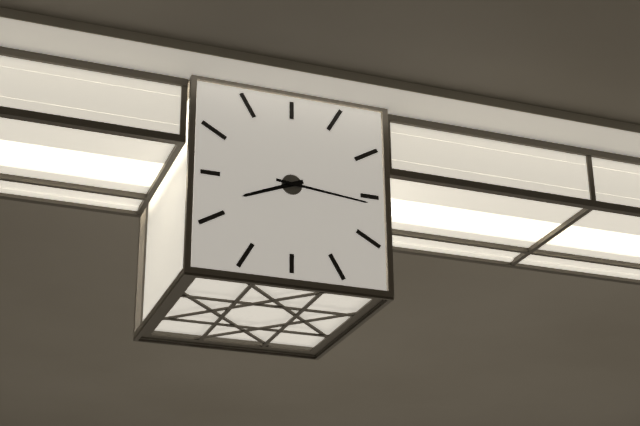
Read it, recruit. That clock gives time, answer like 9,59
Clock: 8,16
